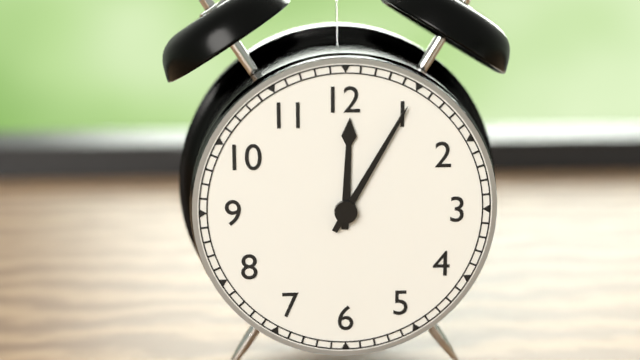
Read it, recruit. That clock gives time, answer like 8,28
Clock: 12,05
